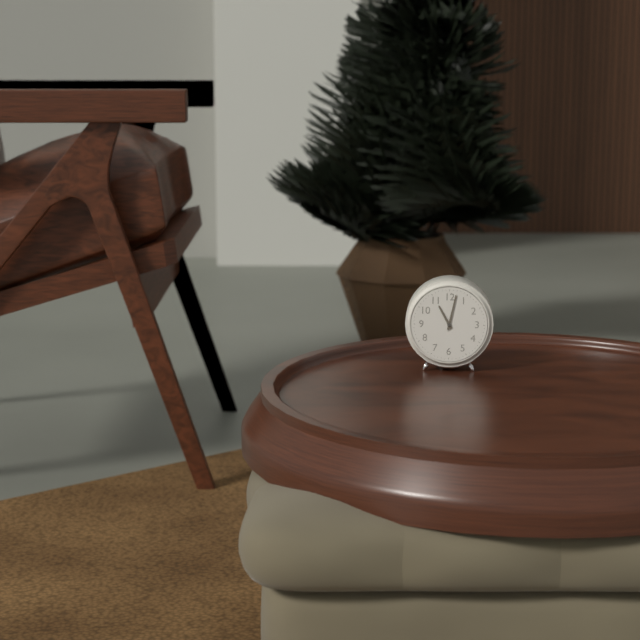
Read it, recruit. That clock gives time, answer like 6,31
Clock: 11,02
